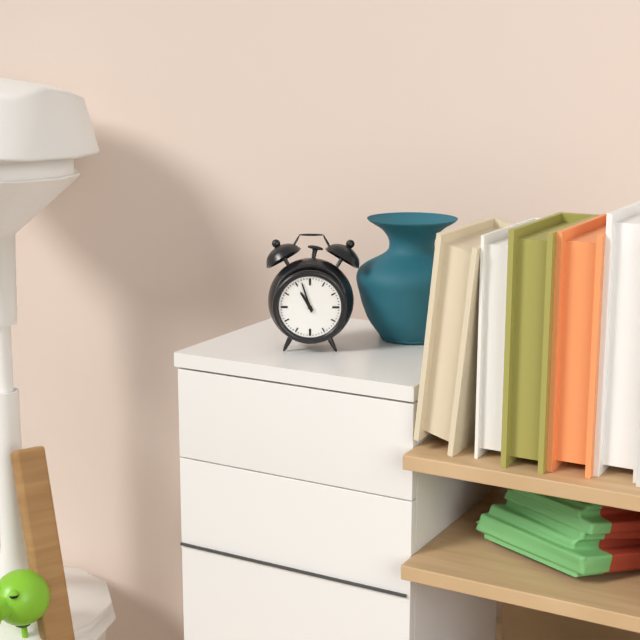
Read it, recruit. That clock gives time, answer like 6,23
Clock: 10,57
